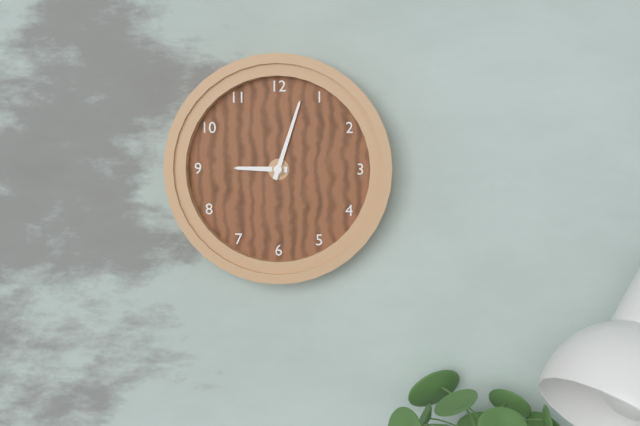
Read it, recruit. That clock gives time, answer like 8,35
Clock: 9,03
